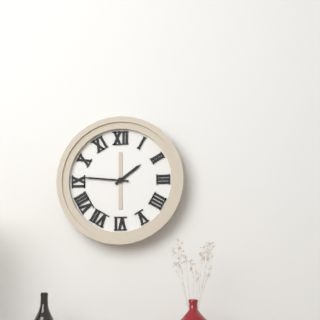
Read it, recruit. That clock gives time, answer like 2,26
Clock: 1,46
